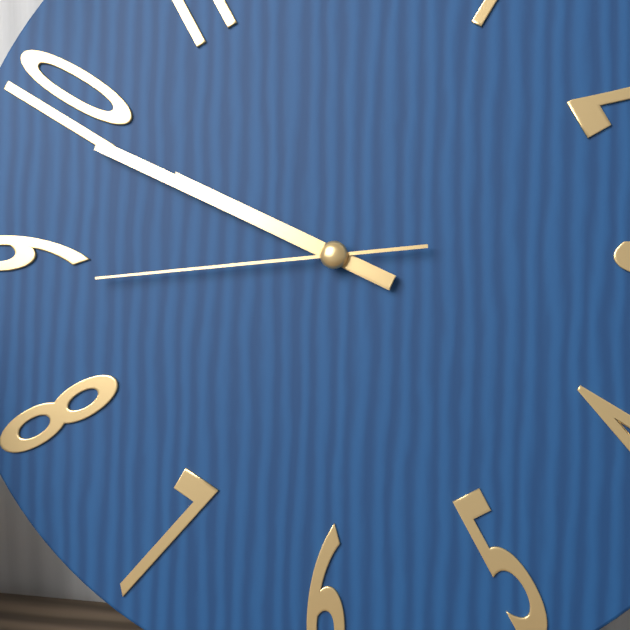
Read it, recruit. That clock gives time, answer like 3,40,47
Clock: 9,49,44
